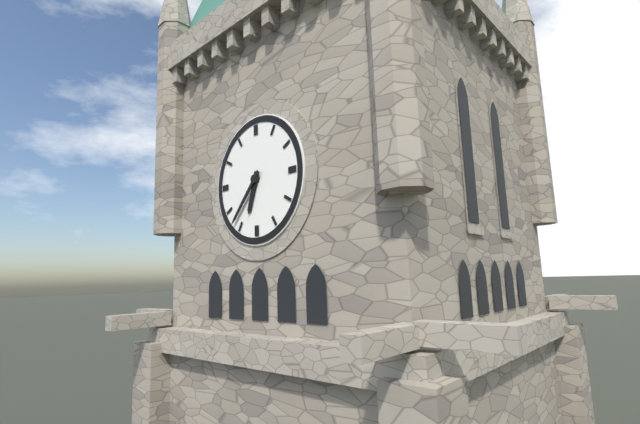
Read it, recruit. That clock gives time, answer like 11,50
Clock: 6,37
